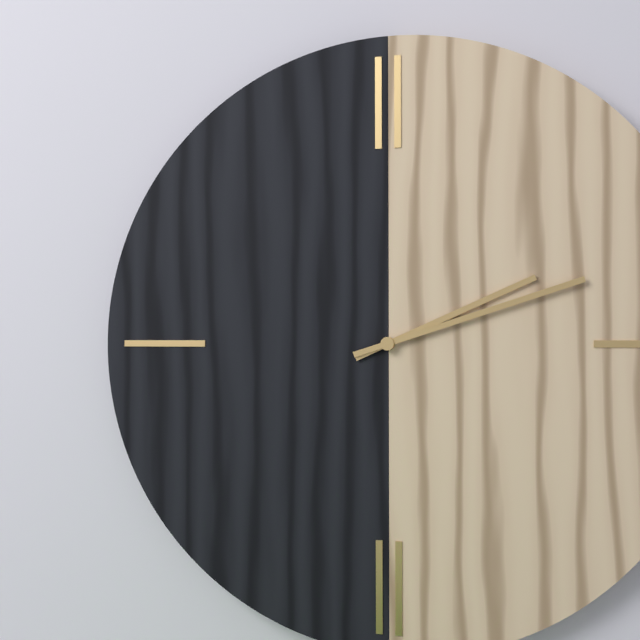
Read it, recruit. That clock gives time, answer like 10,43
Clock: 2,12
